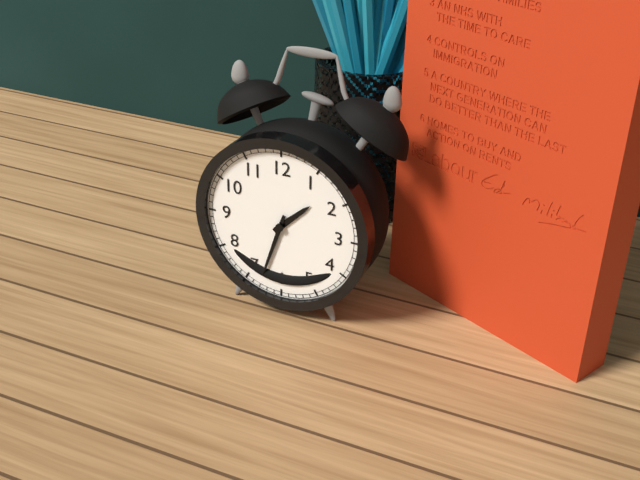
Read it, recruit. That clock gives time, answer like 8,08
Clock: 1,33
